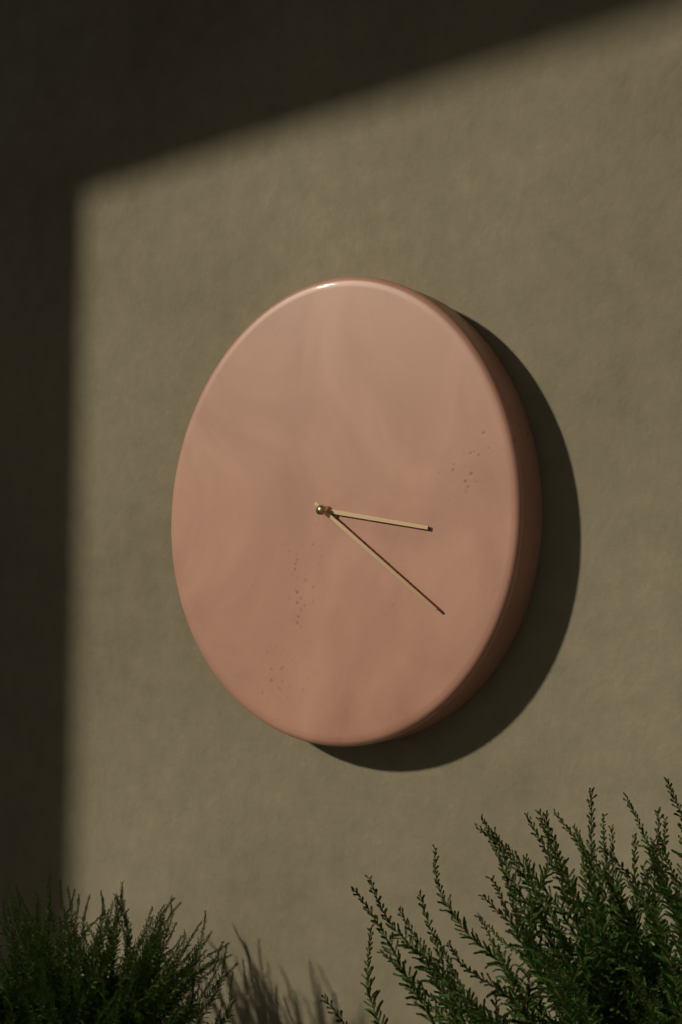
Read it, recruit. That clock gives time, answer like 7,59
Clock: 3,21
